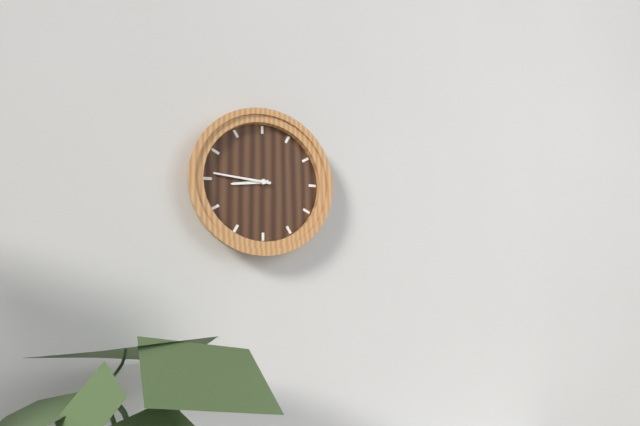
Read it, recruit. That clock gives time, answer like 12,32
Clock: 8,46
